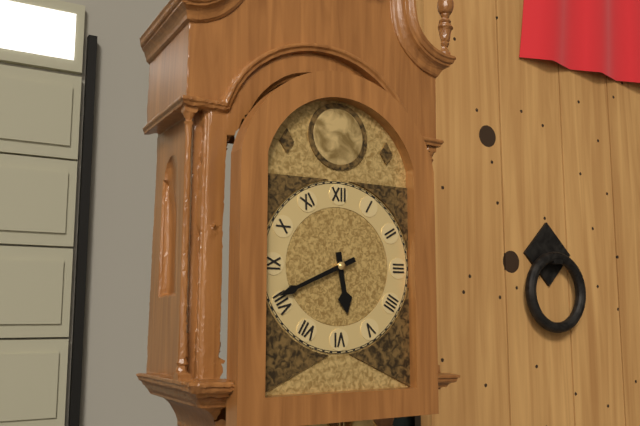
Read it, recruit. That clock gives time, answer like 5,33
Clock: 5,41
